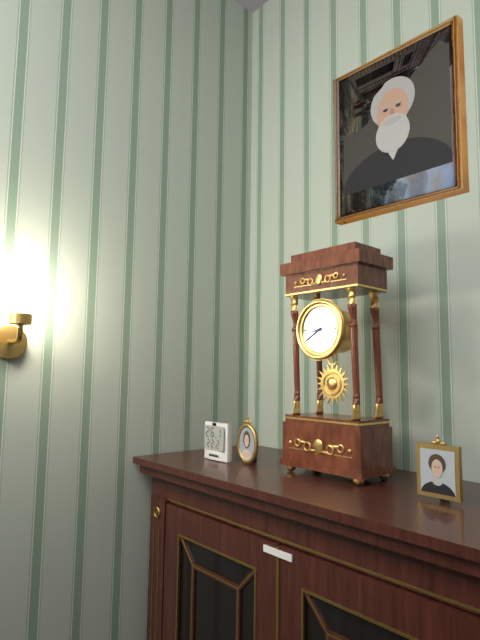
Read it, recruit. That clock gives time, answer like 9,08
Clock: 8,40
